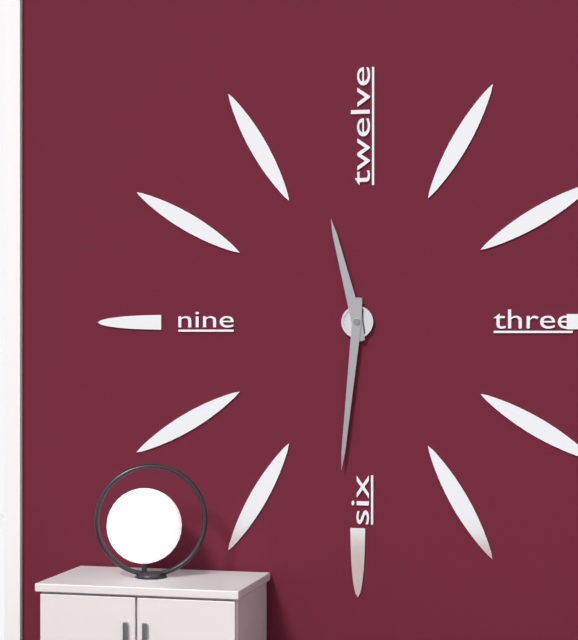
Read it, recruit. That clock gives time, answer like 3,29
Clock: 11,31
